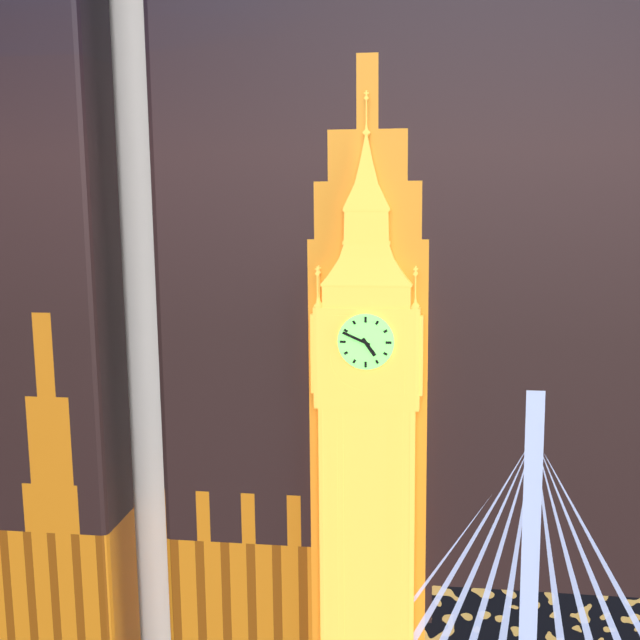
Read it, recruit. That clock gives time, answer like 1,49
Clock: 4,49
